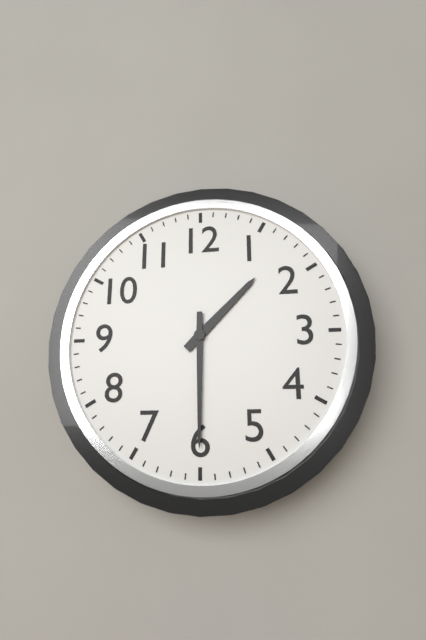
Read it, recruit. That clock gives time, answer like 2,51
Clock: 1,30
